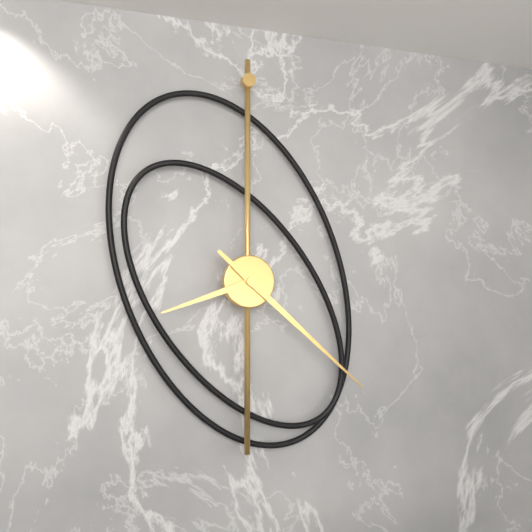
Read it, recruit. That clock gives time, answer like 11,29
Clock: 8,22
